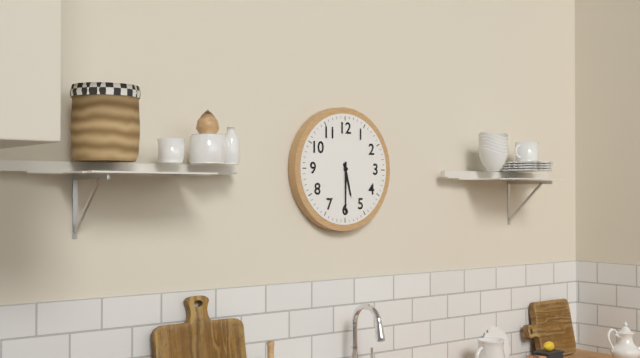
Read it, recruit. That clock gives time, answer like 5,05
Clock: 5,30
